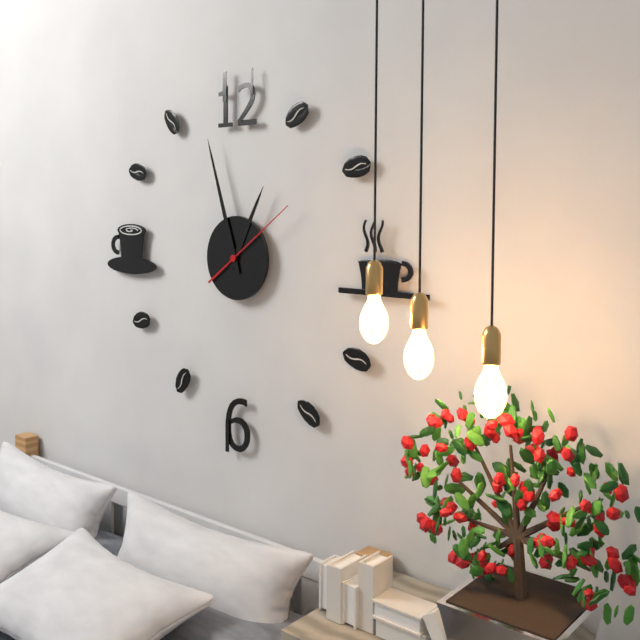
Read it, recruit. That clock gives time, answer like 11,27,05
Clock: 12,57,09
